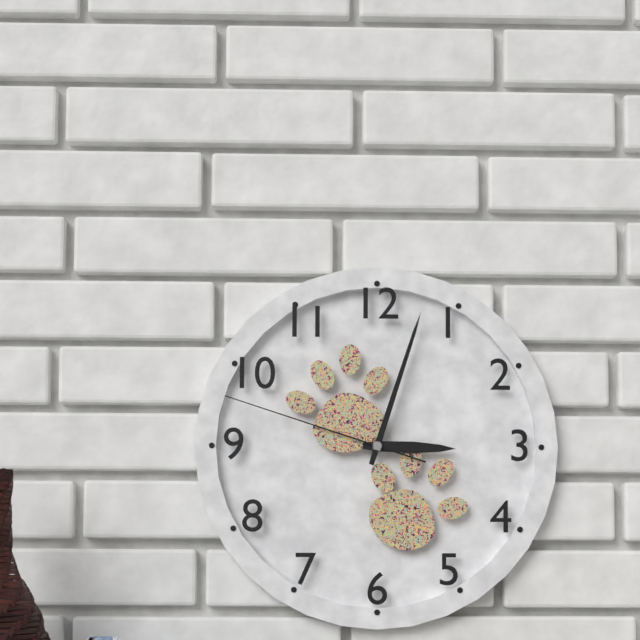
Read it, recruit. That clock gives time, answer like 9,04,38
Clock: 3,03,48
